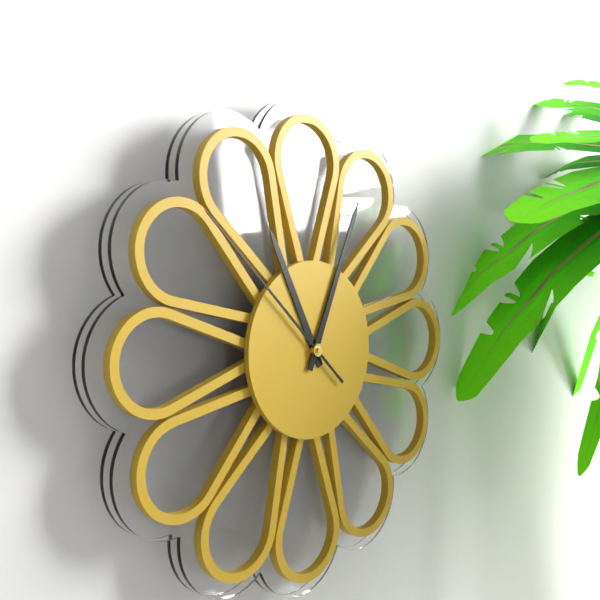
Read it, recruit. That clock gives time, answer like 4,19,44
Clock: 11,04,52
